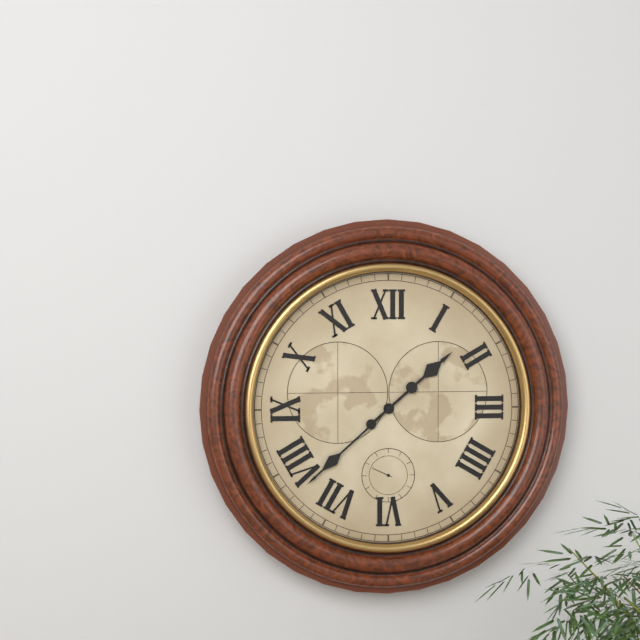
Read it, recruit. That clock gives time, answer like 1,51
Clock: 1,38
